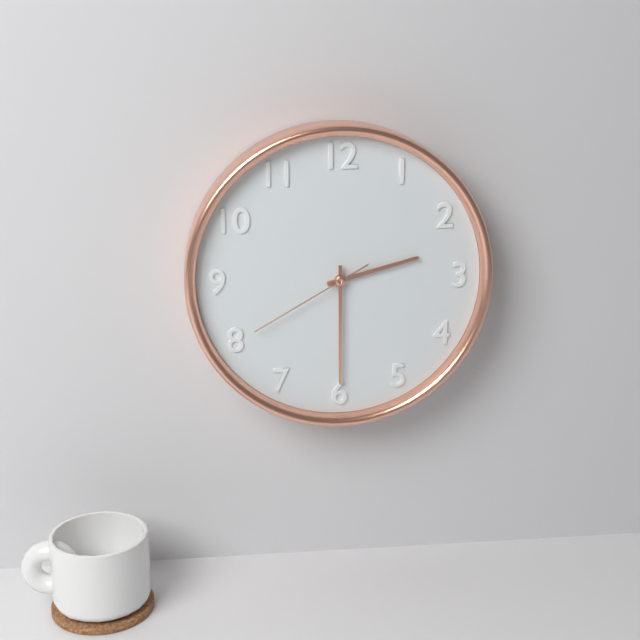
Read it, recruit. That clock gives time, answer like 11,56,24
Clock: 2,30,40
